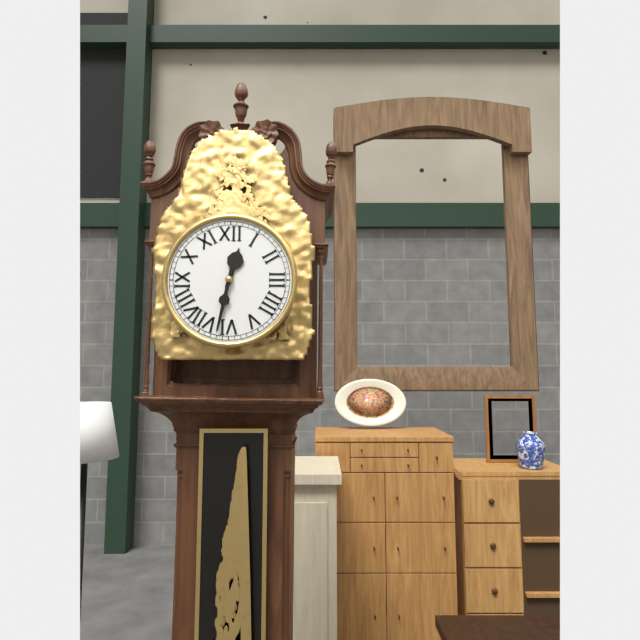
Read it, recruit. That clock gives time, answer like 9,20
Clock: 12,32
